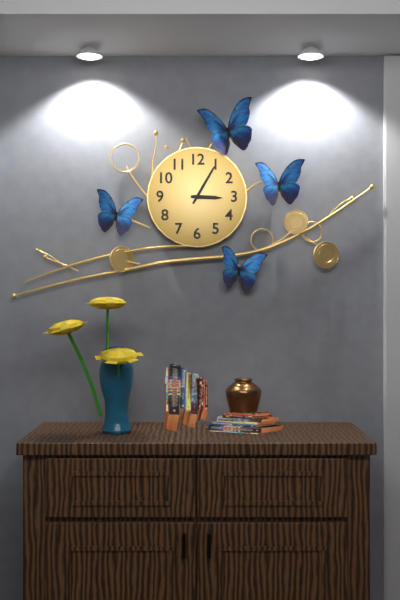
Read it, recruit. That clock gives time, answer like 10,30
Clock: 3,05
